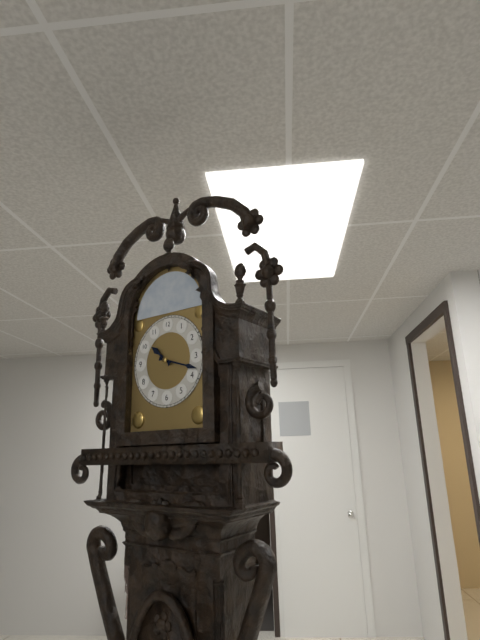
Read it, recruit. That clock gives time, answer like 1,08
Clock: 10,18
